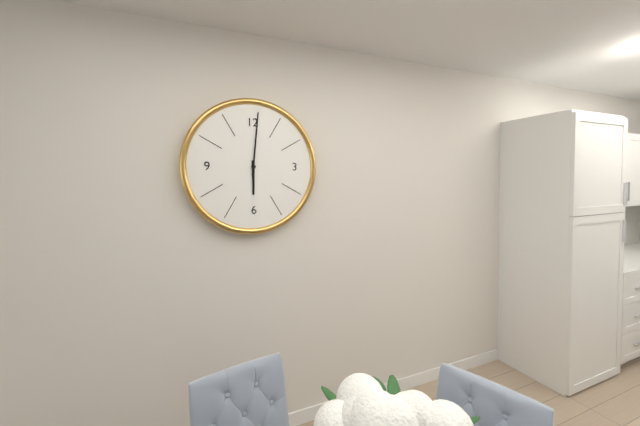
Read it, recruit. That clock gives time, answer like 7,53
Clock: 6,01
